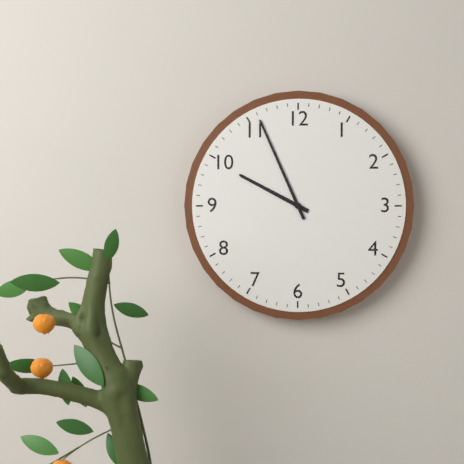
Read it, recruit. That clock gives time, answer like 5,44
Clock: 9,56
